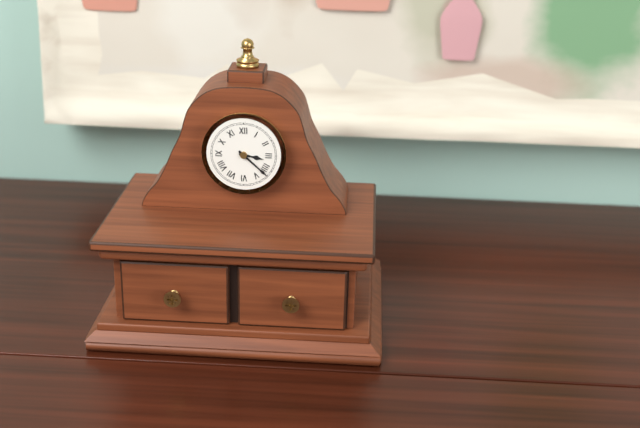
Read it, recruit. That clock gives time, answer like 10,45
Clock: 3,22
